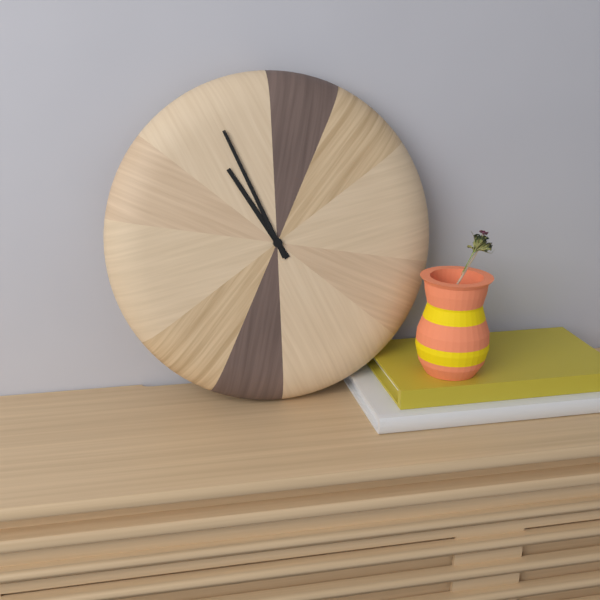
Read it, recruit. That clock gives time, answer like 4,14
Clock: 10,56
